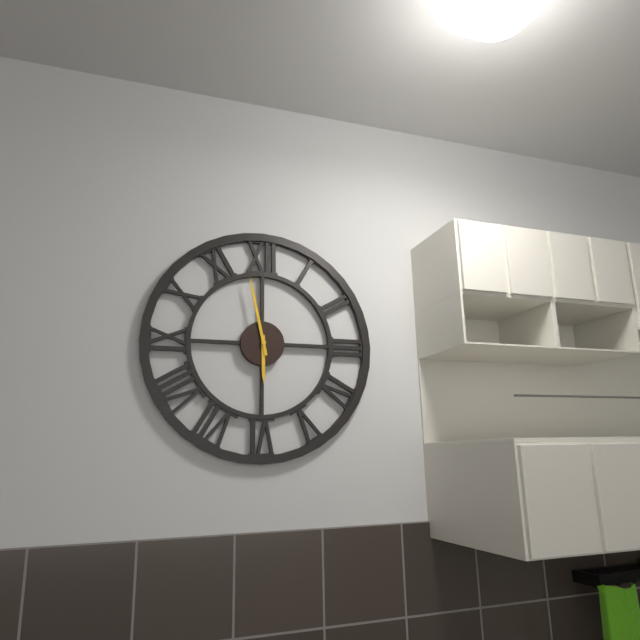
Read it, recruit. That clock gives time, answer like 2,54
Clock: 5,58
